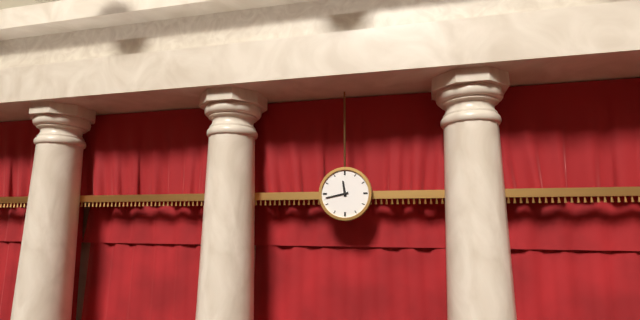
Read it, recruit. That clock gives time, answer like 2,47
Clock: 11,43
